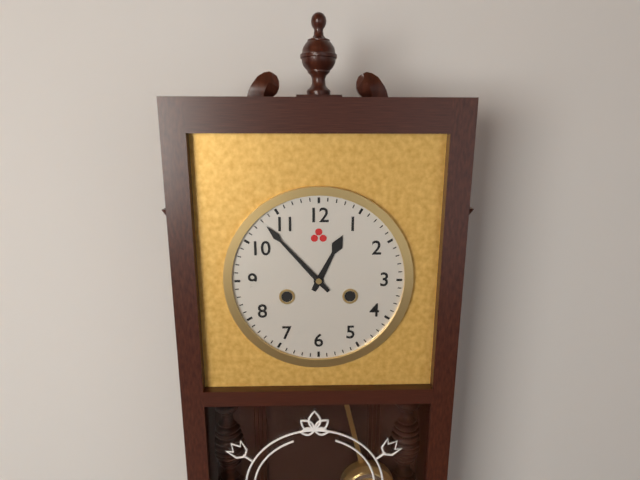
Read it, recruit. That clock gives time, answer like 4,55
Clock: 12,53
